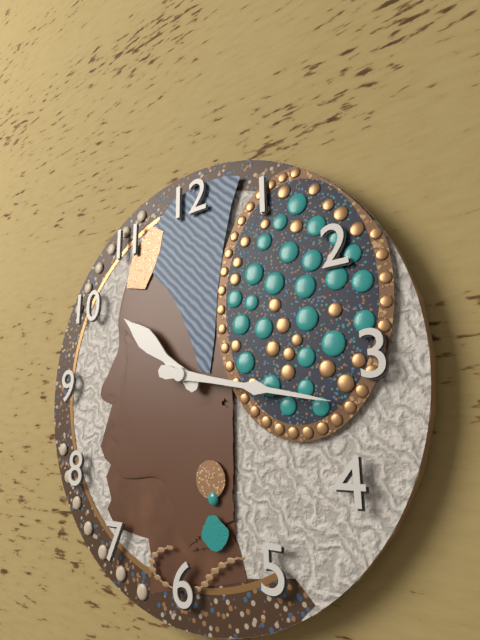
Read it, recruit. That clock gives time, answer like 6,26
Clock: 10,17
